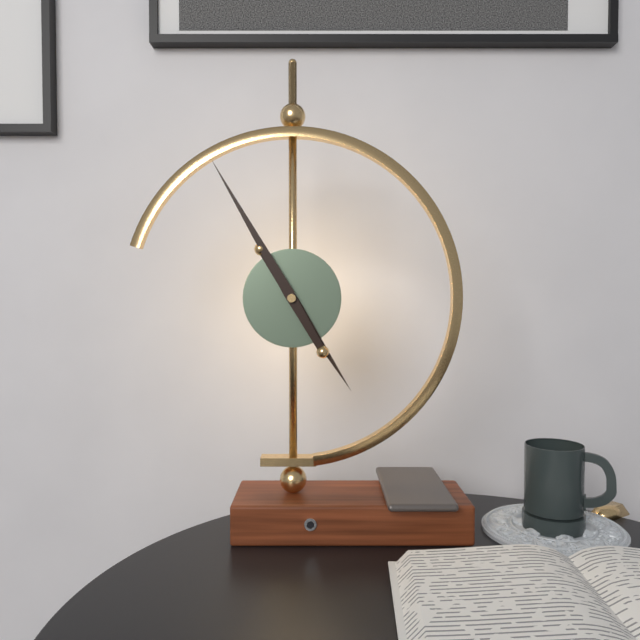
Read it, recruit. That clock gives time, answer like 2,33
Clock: 4,55
